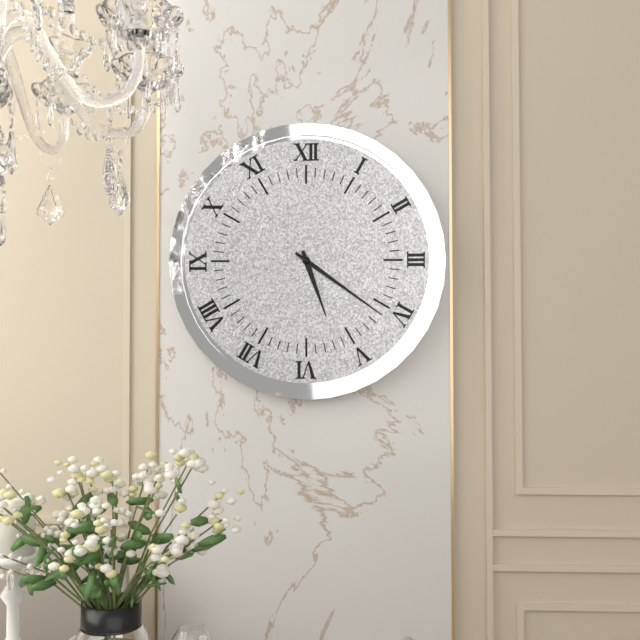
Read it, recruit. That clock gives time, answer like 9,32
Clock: 5,21
